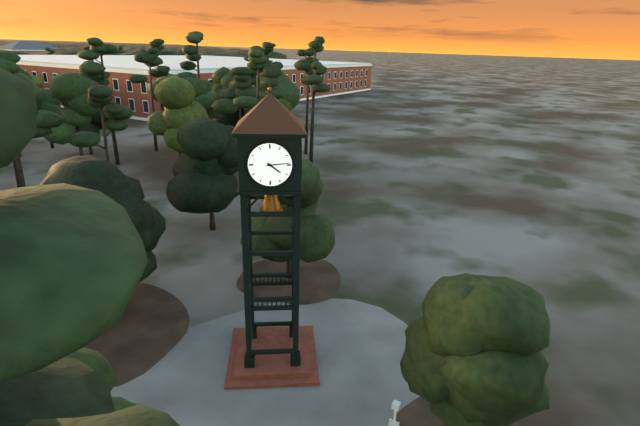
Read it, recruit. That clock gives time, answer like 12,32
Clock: 4,14
